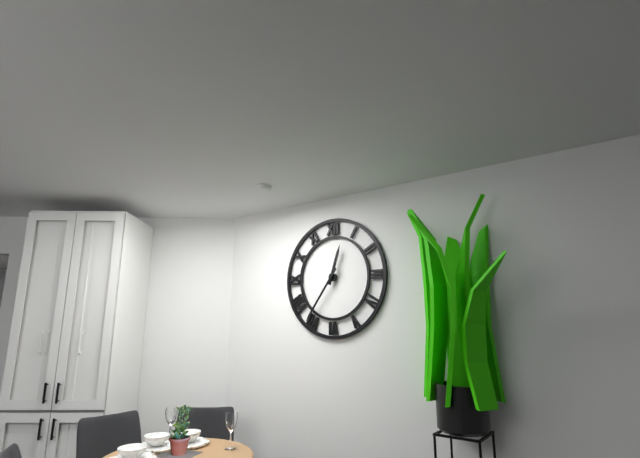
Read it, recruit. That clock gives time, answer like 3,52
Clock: 12,36
